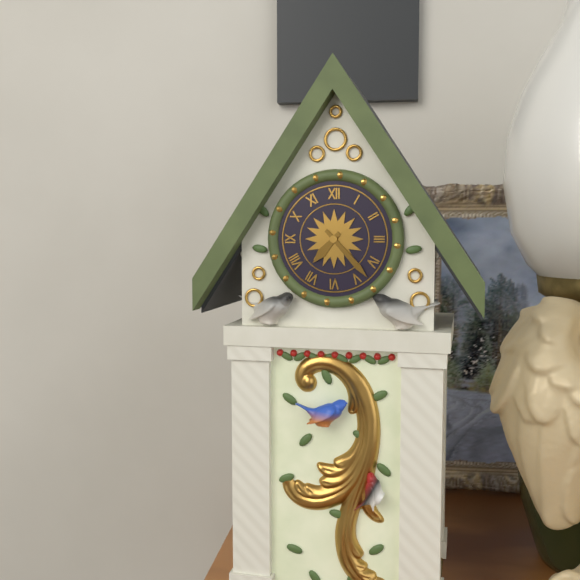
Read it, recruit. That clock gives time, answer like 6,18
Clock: 7,23
